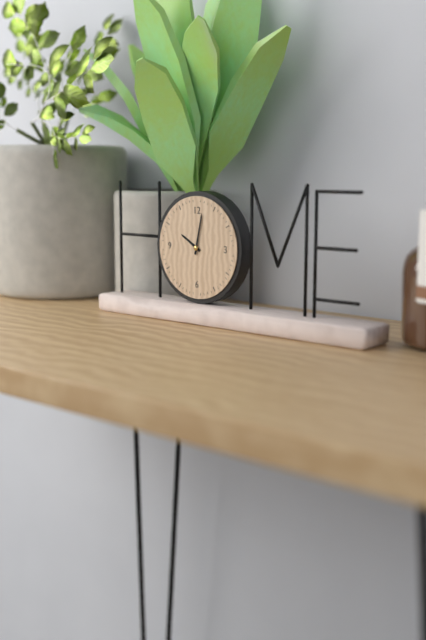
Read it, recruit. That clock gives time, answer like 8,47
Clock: 10,02
